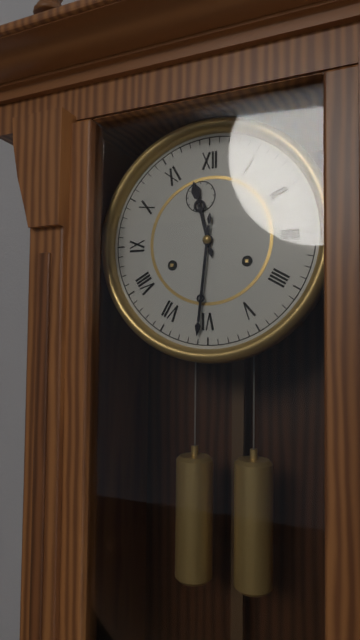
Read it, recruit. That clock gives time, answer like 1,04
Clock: 11,31
